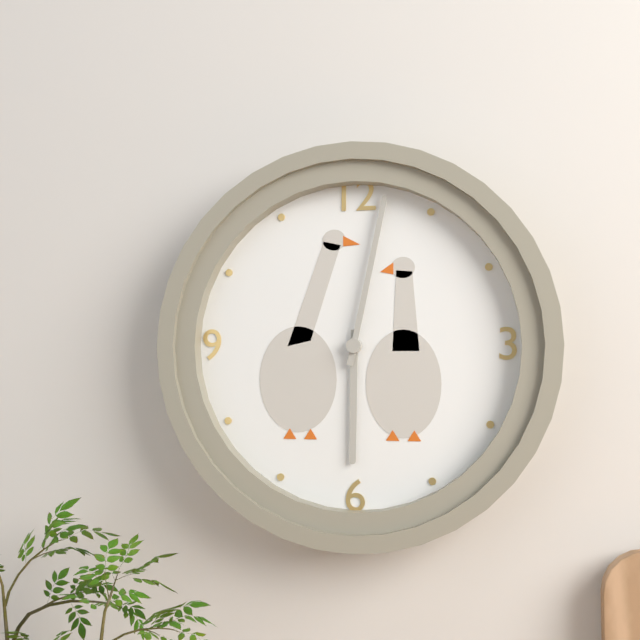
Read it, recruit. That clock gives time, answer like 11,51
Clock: 6,02
